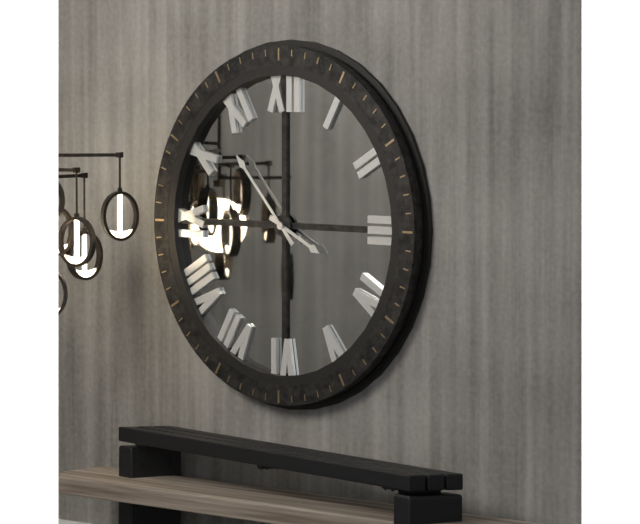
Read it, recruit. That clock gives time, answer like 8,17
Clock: 3,53
